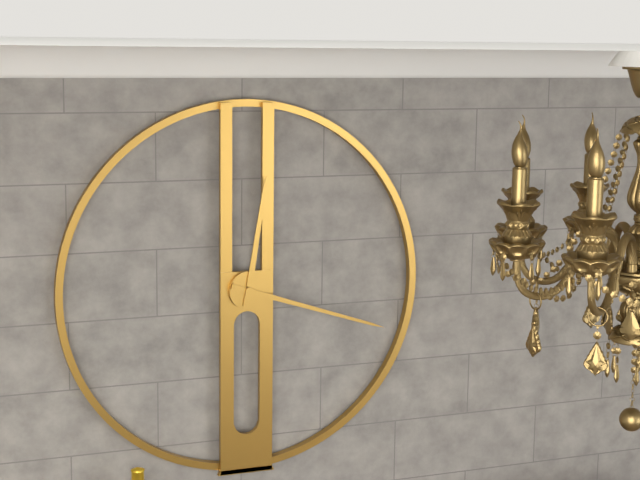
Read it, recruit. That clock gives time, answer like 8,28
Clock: 12,18
